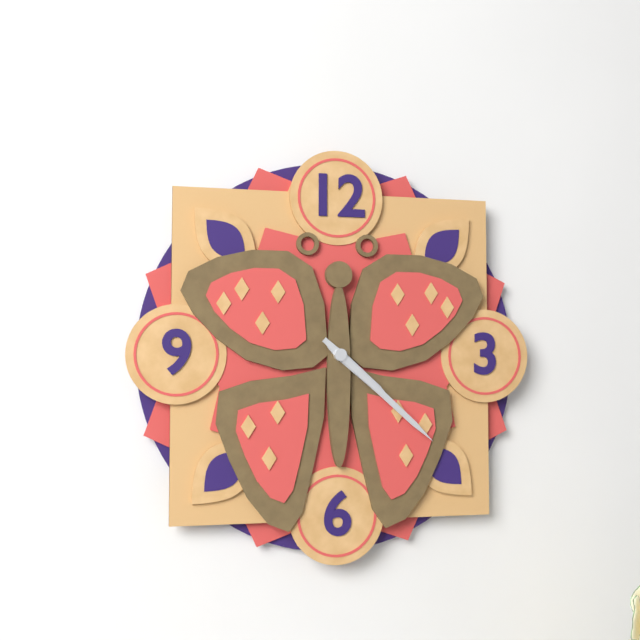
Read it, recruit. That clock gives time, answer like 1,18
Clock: 4,22
